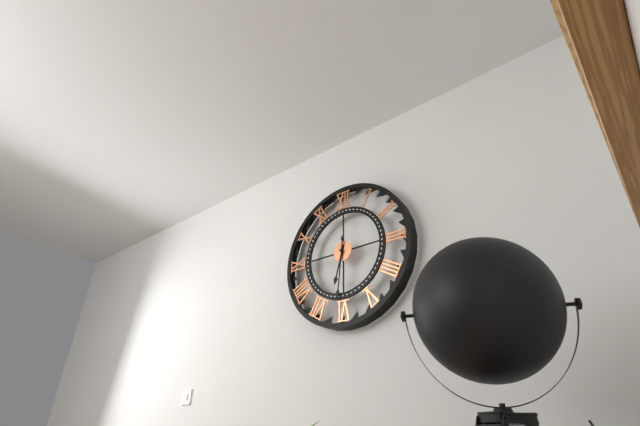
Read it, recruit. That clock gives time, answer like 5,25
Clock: 6,31
